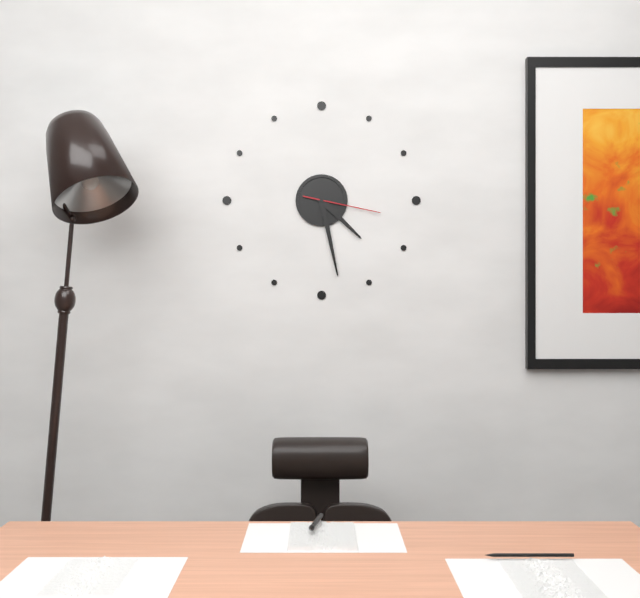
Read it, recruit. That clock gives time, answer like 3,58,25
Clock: 4,28,17
